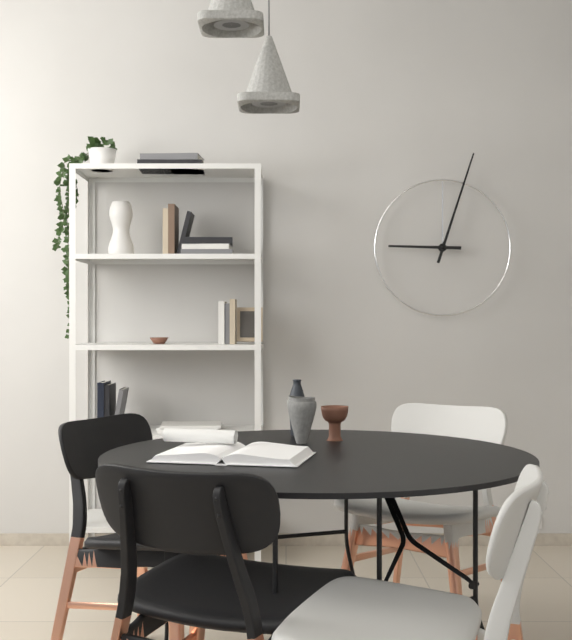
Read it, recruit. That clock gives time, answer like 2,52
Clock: 9,03
